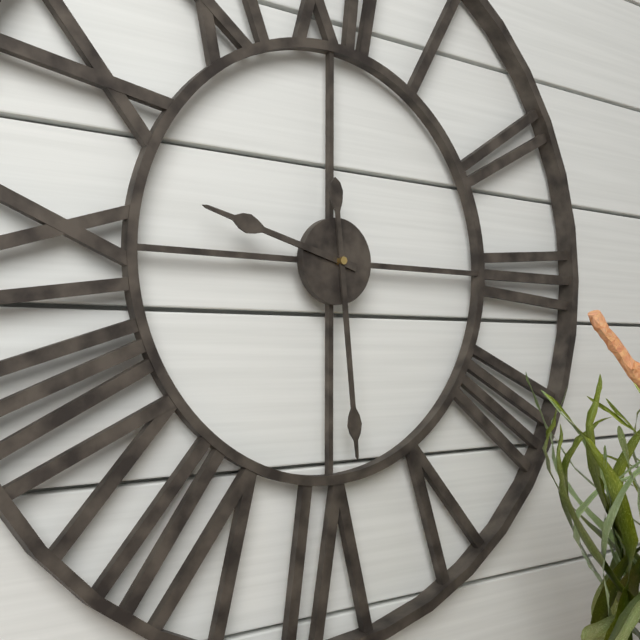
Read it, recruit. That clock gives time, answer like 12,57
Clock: 9,29
